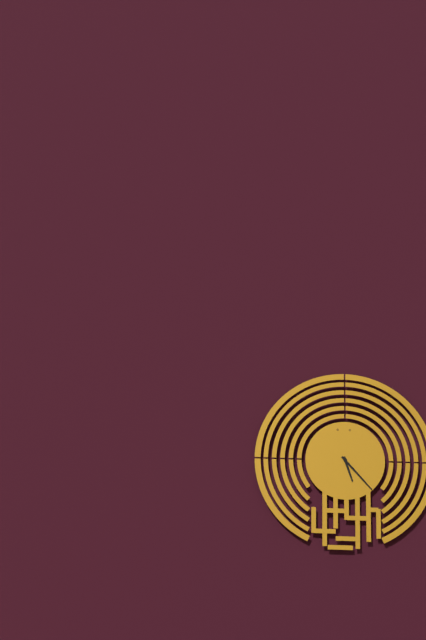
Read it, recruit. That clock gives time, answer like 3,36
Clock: 5,23
